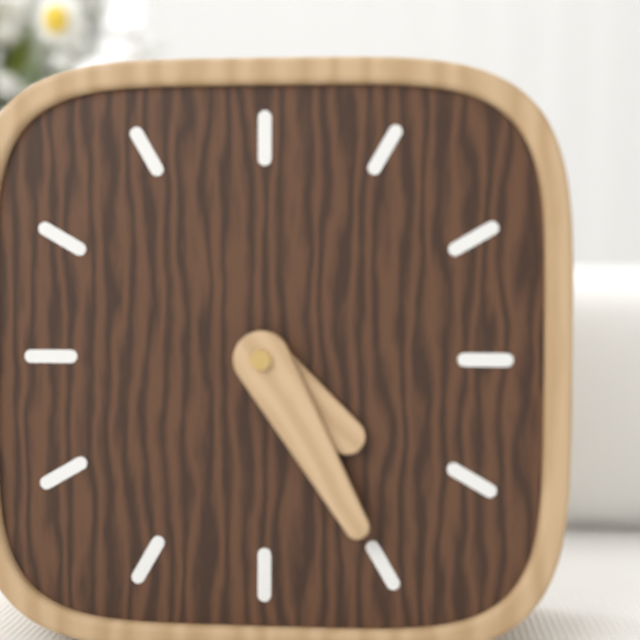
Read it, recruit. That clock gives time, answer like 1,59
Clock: 4,25
